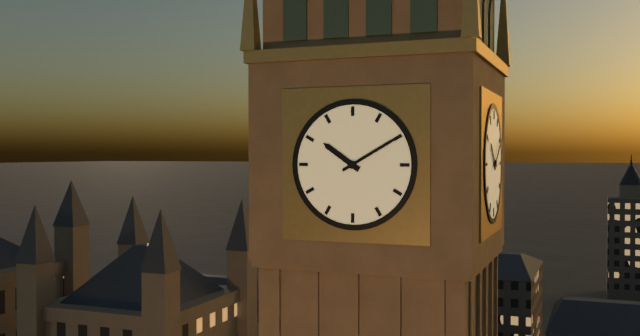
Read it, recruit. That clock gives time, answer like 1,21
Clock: 10,10
